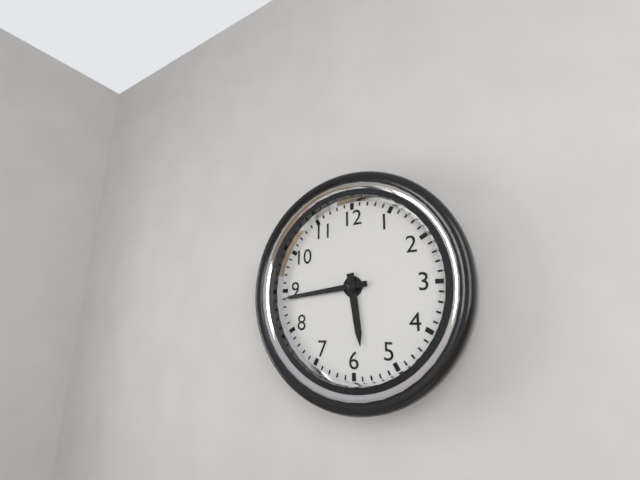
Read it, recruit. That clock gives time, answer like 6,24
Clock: 5,44
